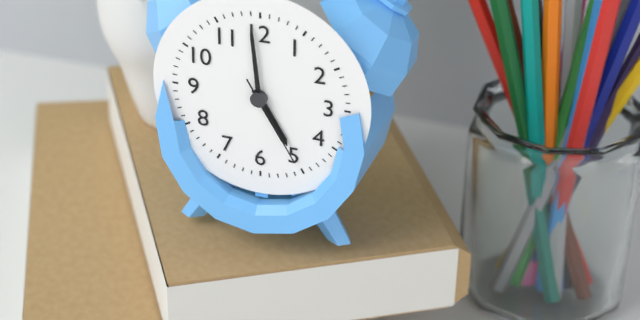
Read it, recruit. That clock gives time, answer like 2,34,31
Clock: 4,59,25
